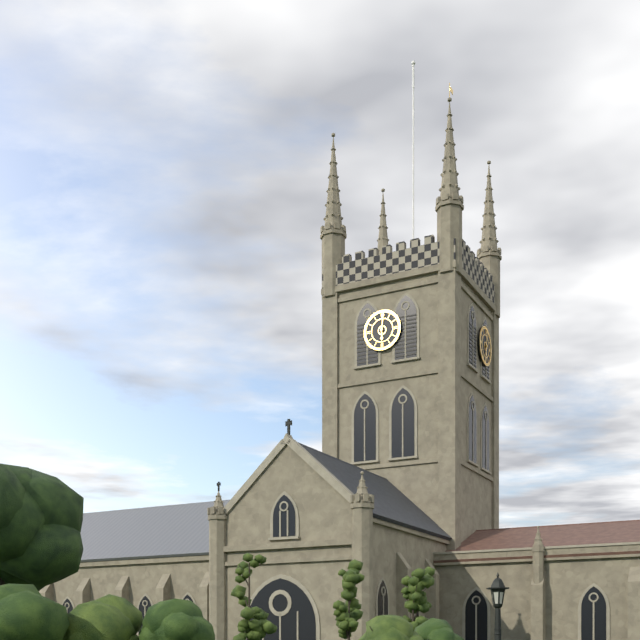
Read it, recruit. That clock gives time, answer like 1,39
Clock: 6,01
